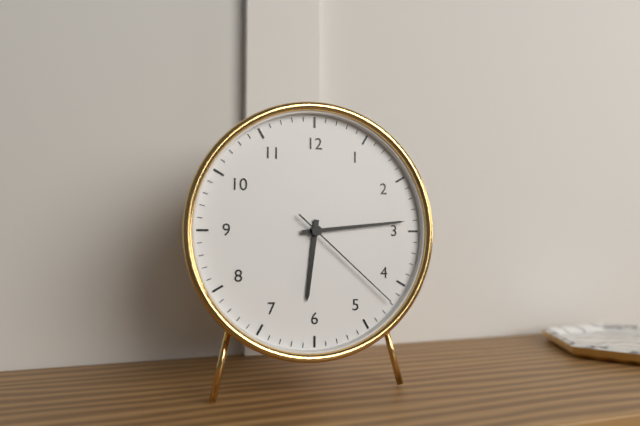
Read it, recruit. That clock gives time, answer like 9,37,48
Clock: 6,14,22
